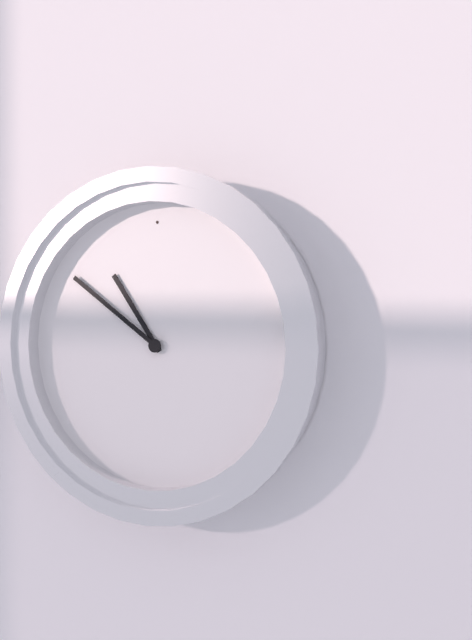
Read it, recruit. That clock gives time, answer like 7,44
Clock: 10,51
